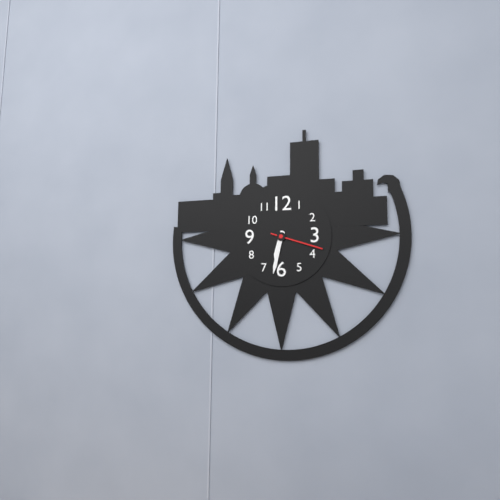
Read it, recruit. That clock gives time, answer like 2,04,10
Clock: 6,32,18
